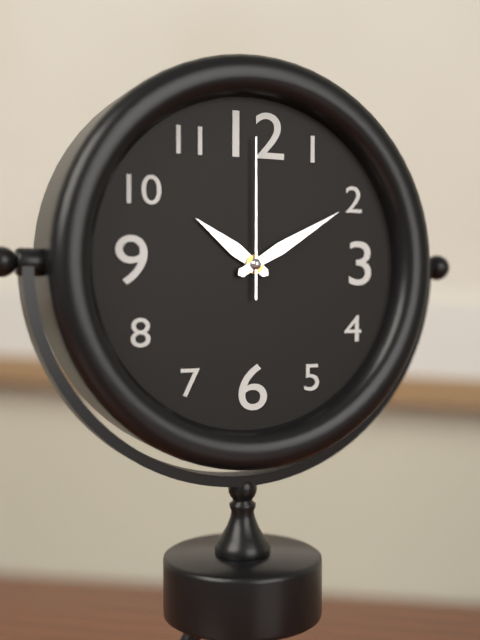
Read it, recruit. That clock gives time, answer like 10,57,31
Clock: 10,10,00
